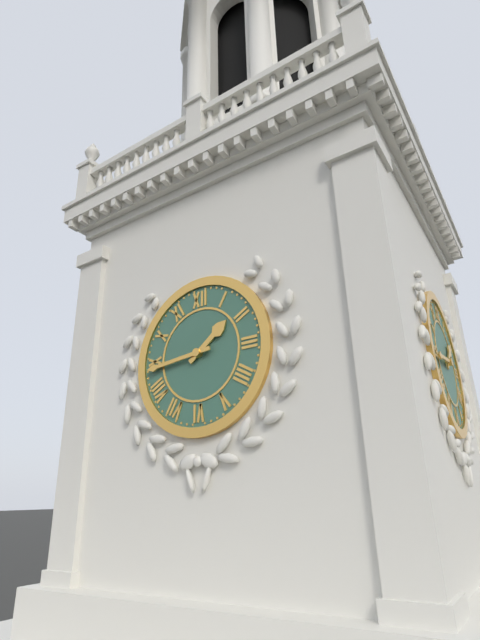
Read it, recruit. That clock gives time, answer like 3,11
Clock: 1,44
